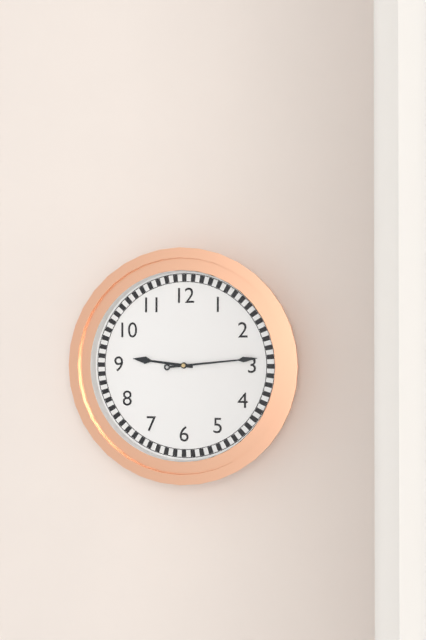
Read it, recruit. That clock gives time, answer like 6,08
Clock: 9,14
